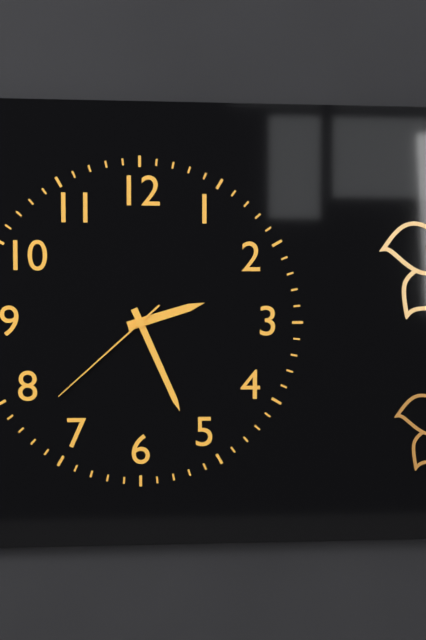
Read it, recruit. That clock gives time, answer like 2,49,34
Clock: 2,26,38
